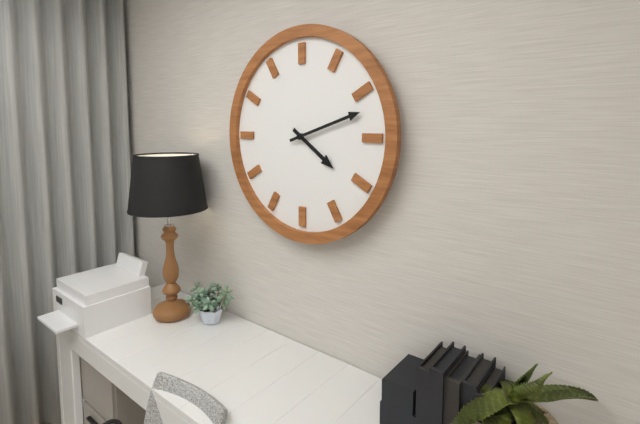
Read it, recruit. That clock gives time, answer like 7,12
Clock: 4,12
